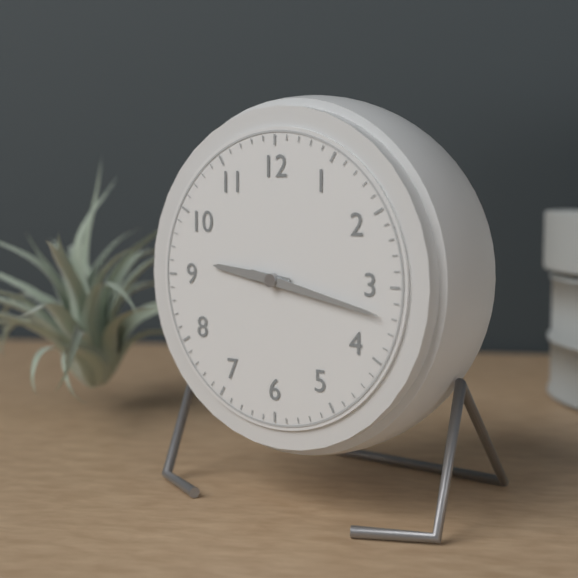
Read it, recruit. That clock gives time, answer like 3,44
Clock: 9,17
